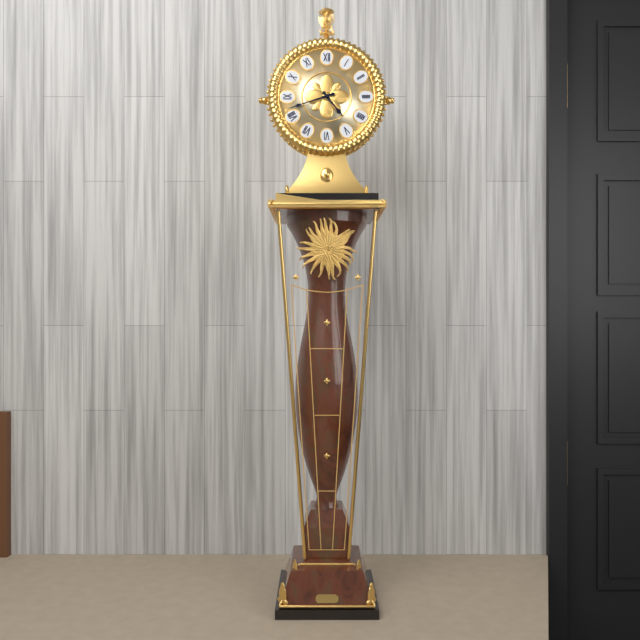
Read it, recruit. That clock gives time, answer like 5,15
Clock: 4,42
